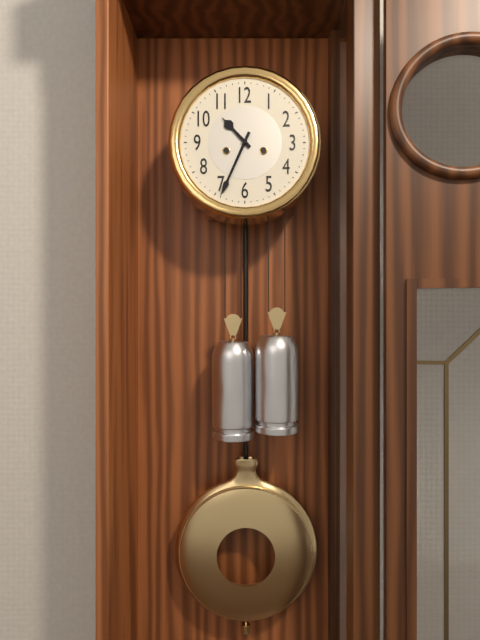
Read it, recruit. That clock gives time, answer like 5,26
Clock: 10,34
